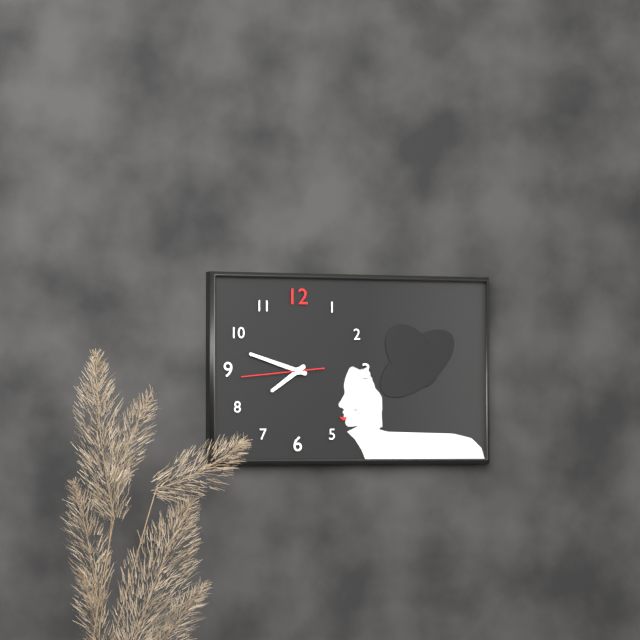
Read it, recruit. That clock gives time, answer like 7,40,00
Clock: 7,48,44
